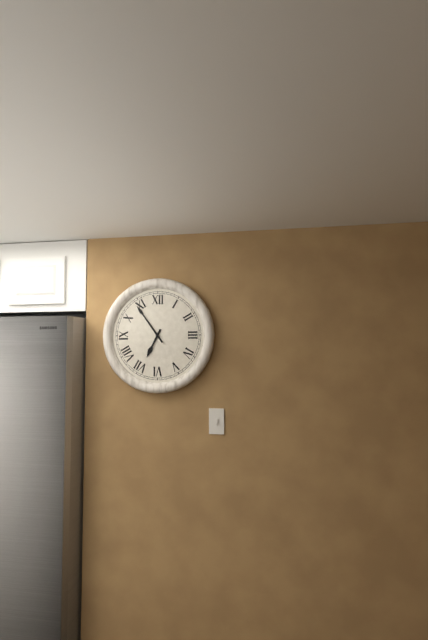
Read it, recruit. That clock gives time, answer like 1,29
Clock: 6,54
